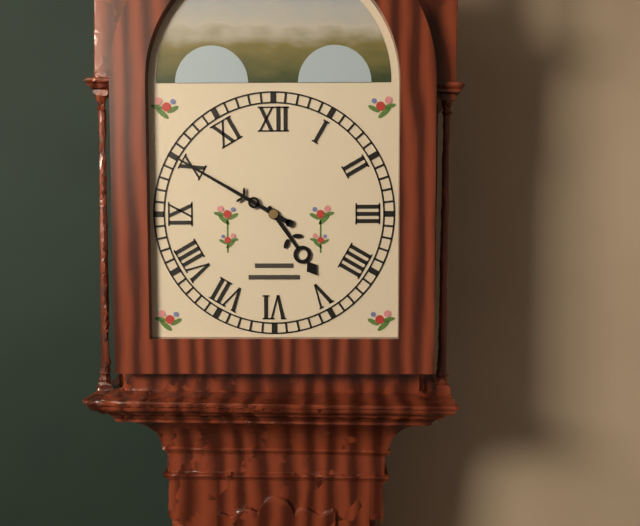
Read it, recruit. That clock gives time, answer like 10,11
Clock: 4,50
